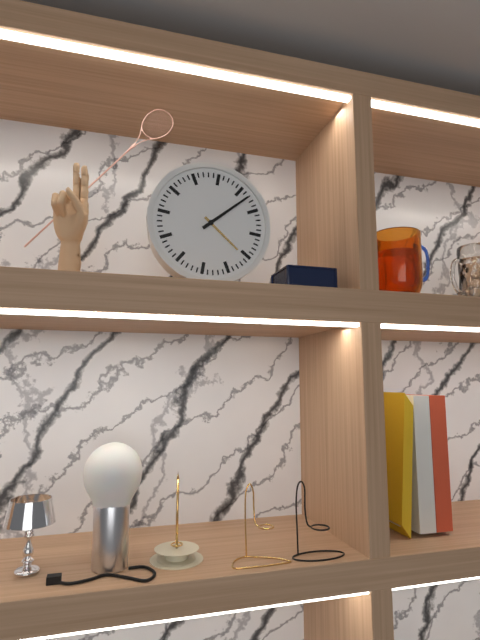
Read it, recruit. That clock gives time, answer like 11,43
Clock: 4,07
